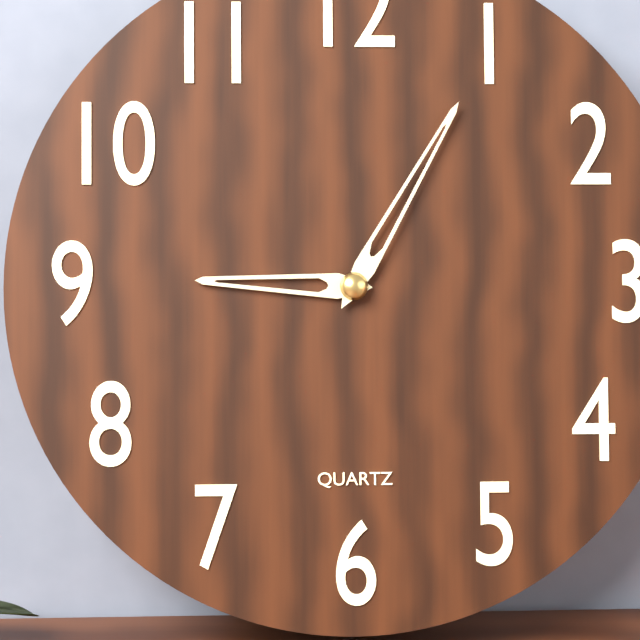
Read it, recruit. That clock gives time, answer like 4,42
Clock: 9,05
